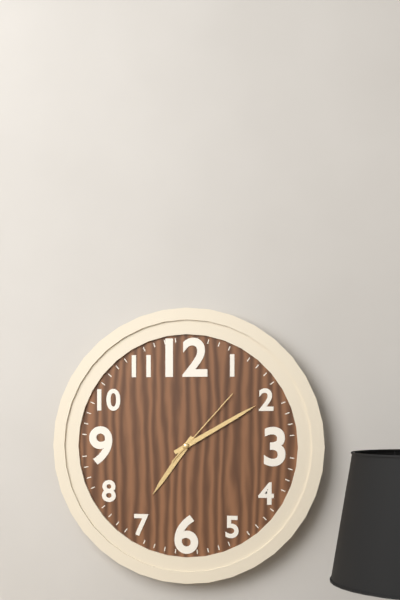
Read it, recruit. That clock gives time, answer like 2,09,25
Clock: 7,10,07
